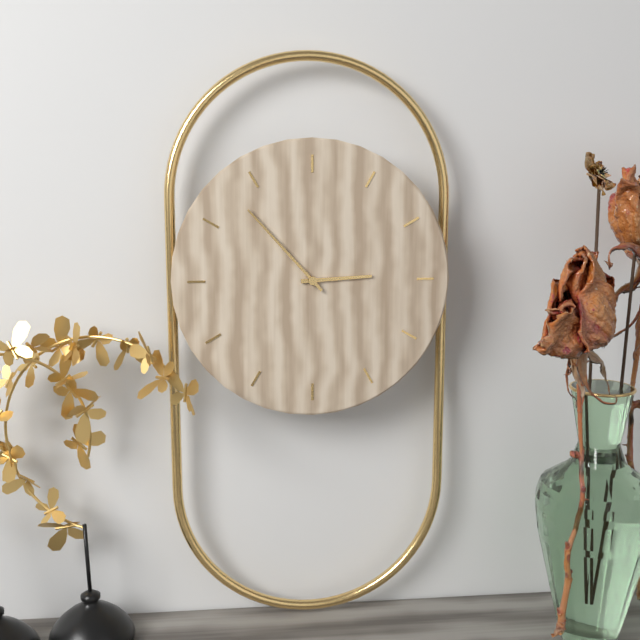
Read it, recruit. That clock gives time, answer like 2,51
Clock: 2,53
